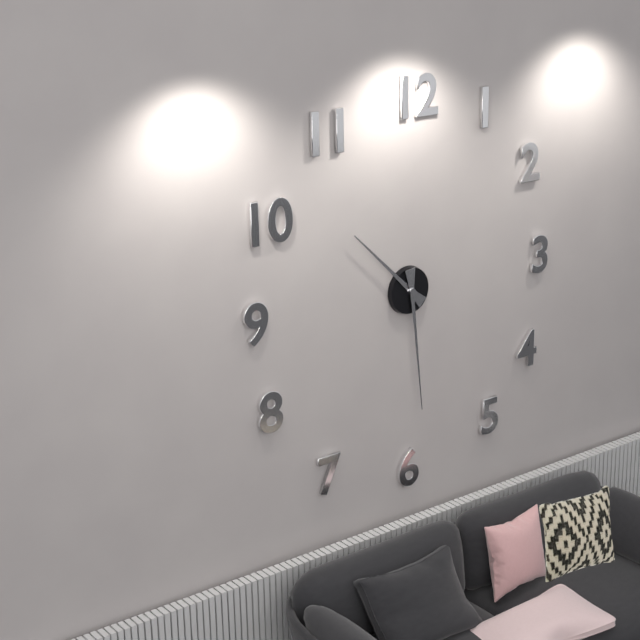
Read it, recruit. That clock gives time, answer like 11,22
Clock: 10,29
